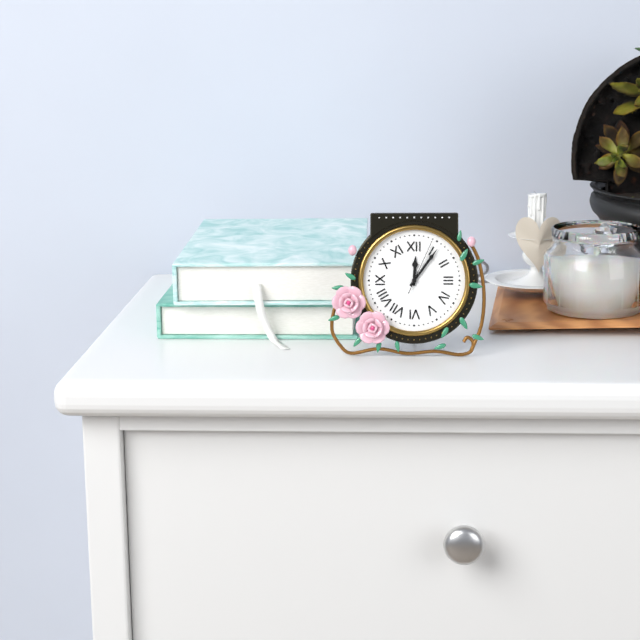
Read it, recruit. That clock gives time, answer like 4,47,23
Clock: 12,06,04
